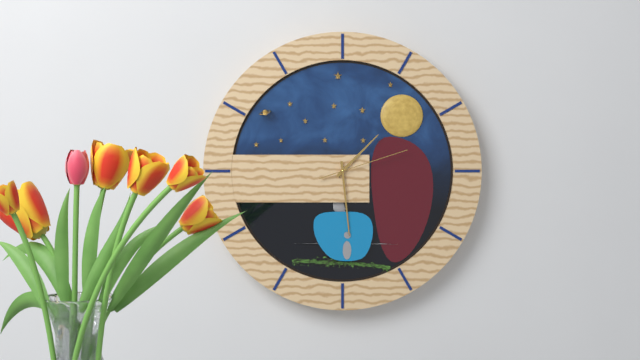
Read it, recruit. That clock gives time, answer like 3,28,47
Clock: 1,29,12
